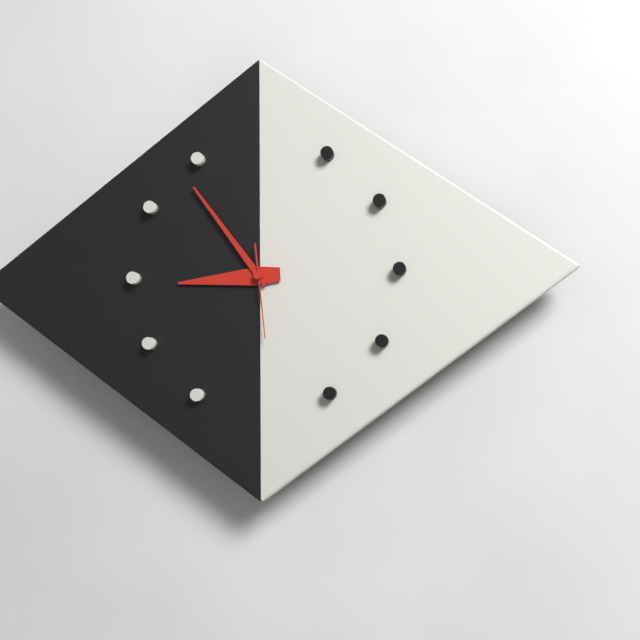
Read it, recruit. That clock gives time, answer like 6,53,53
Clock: 8,54,29
